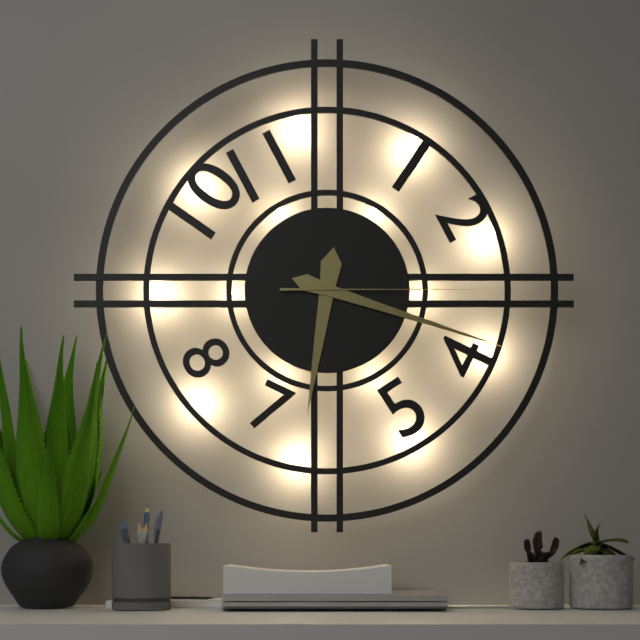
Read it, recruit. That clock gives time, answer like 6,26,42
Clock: 6,18,15
